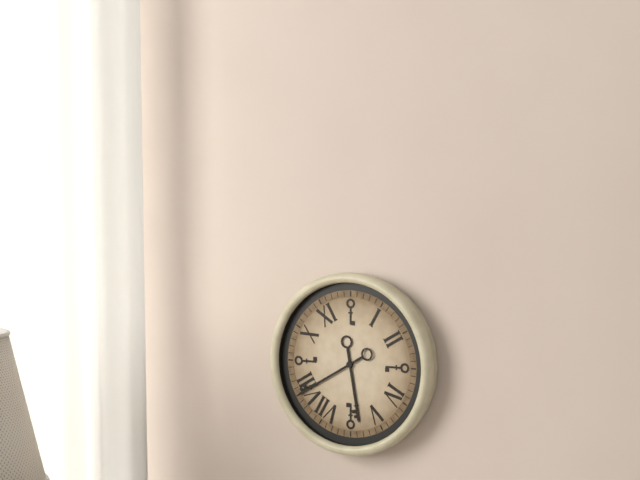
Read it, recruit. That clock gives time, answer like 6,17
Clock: 5,40
